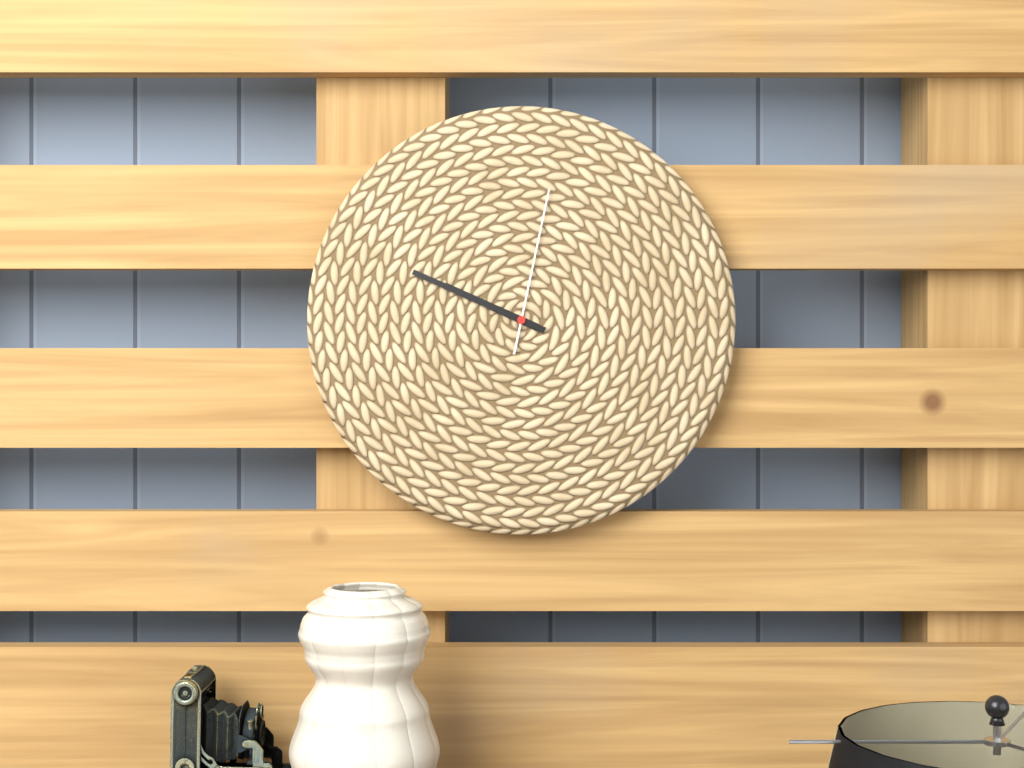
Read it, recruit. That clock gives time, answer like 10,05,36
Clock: 9,49,02
